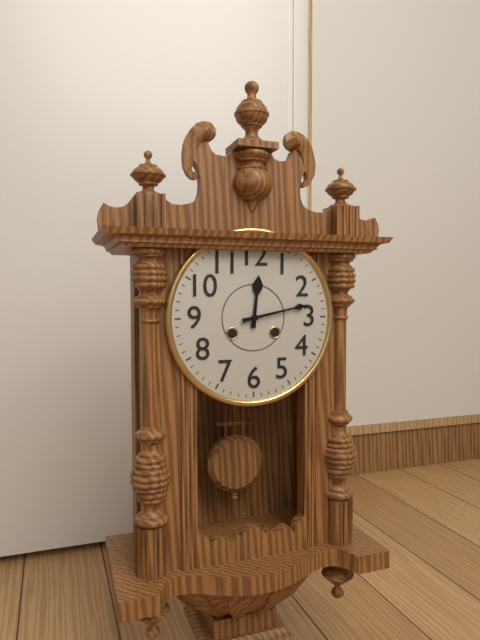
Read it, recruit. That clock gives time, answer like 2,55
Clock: 12,13
